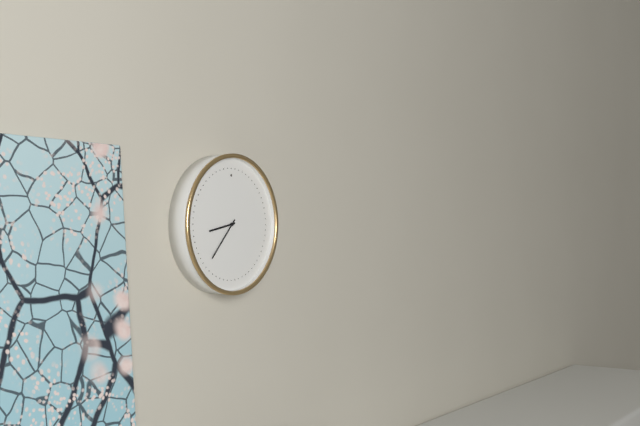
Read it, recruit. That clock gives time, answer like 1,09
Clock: 8,37
